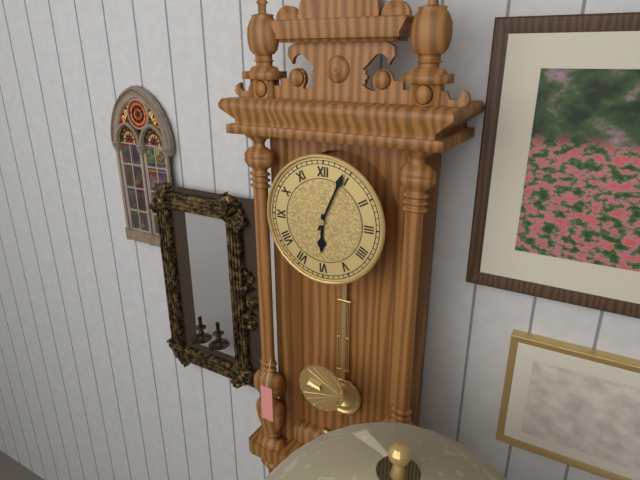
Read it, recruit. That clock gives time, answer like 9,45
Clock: 6,04
